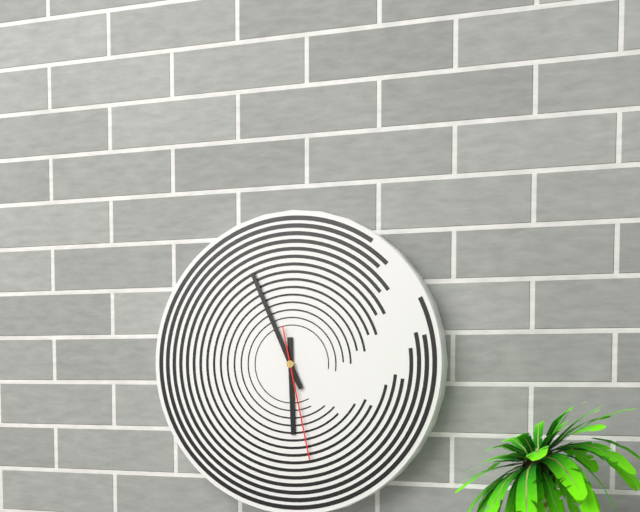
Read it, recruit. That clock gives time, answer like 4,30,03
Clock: 5,56,28
